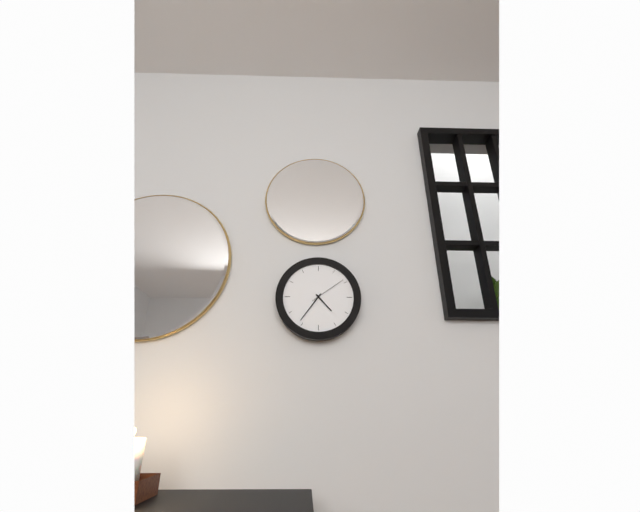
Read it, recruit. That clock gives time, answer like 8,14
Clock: 4,36
